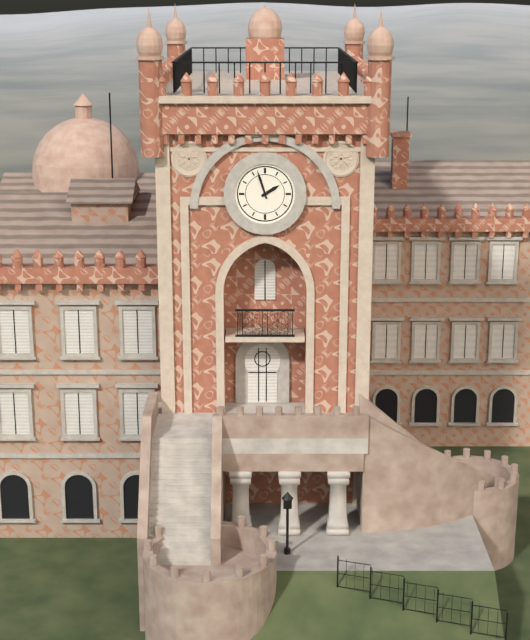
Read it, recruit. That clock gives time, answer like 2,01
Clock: 1,57
